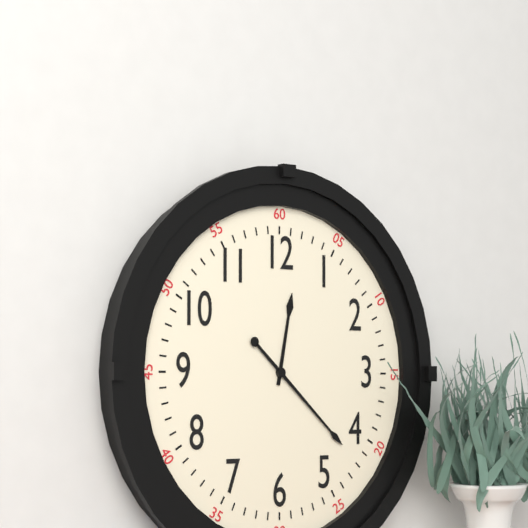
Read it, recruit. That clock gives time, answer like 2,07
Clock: 12,22
